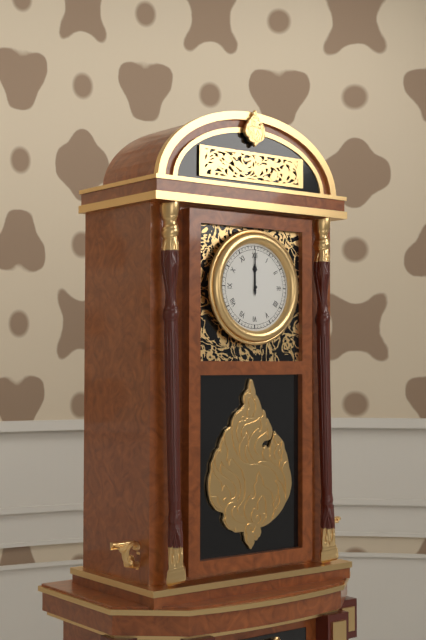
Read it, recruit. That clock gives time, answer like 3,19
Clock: 12,00
